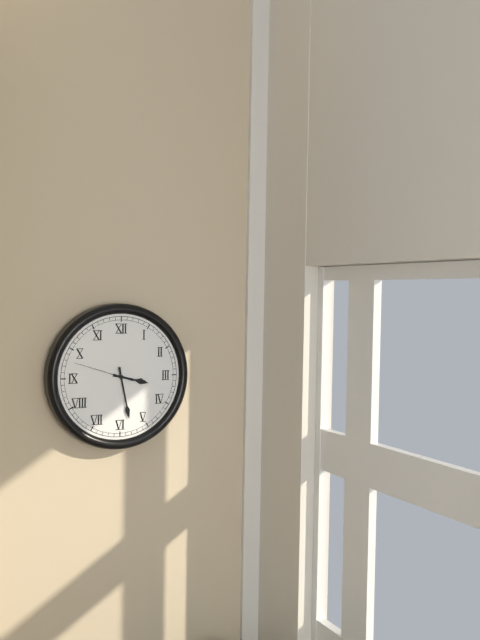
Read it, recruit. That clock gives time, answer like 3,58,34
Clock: 3,28,48
